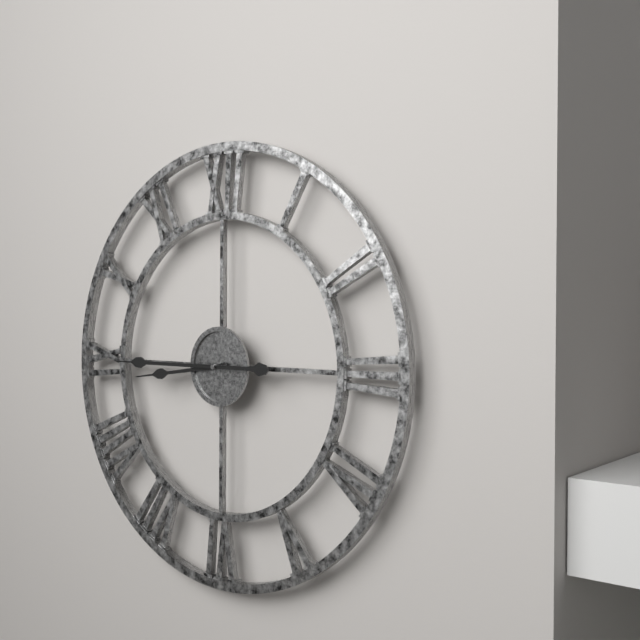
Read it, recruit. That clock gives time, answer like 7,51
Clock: 8,45
